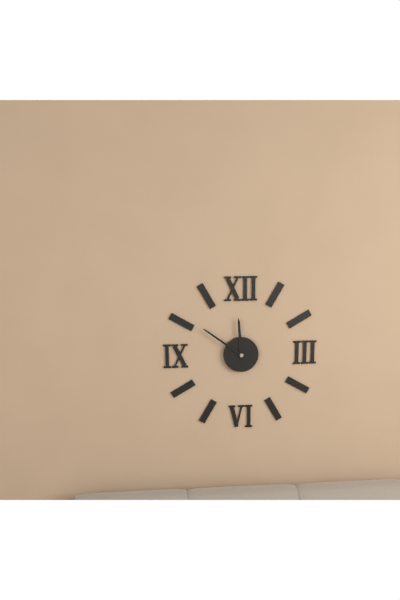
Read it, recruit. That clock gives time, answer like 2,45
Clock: 11,51
